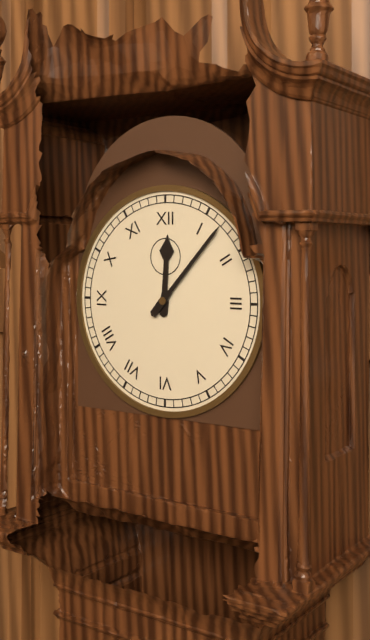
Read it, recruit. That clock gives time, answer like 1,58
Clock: 12,07
